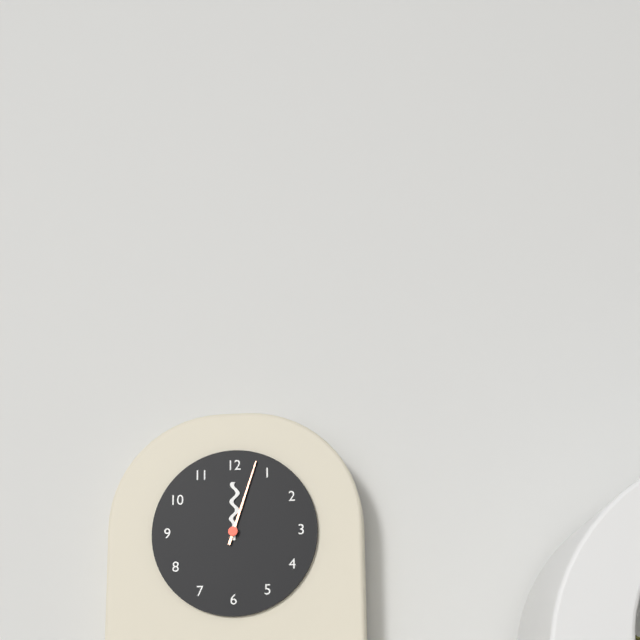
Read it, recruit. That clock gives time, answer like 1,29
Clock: 12,03
